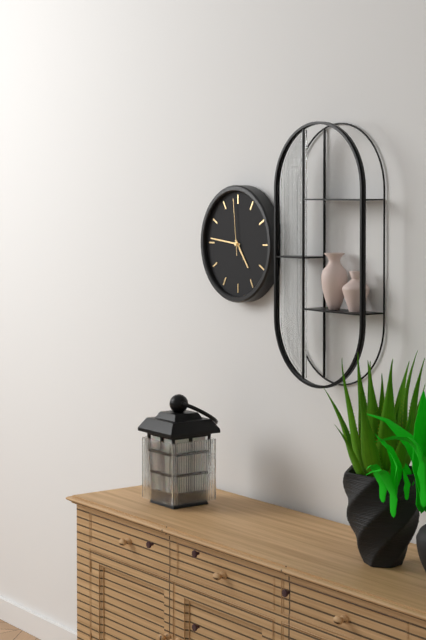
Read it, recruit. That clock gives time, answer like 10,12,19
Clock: 4,46,59
